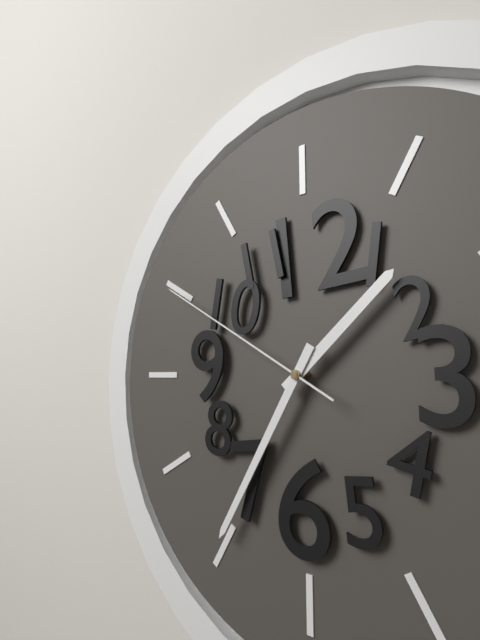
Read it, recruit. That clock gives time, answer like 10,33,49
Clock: 1,35,50
